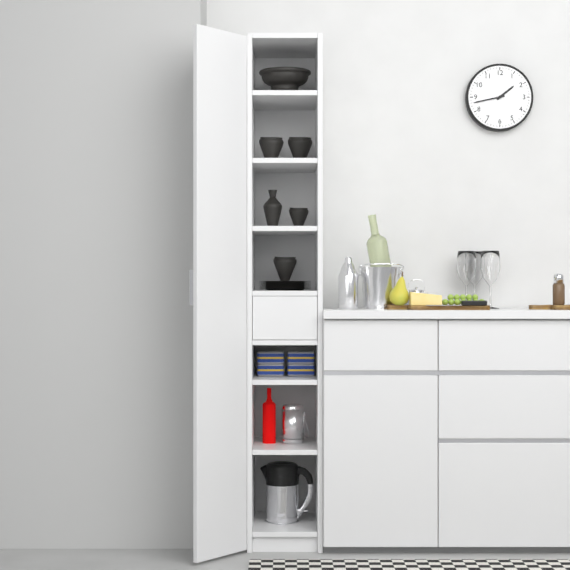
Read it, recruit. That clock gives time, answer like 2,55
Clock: 1,43
